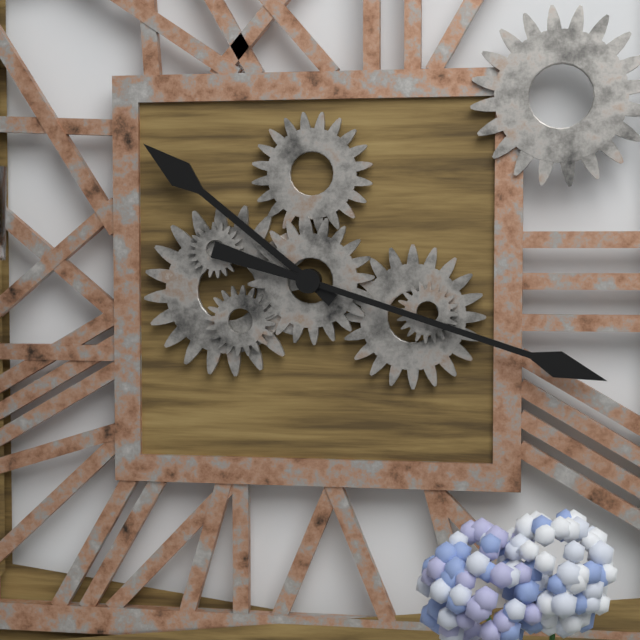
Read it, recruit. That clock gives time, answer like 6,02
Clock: 10,18
